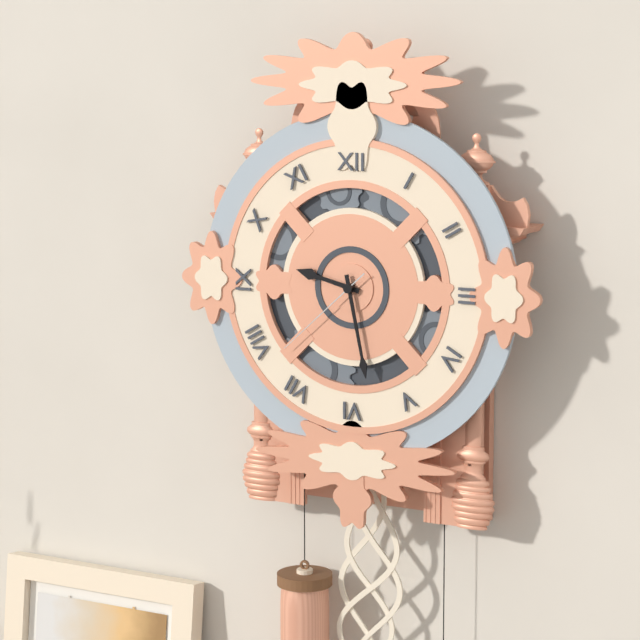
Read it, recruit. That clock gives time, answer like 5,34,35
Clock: 9,28,38
